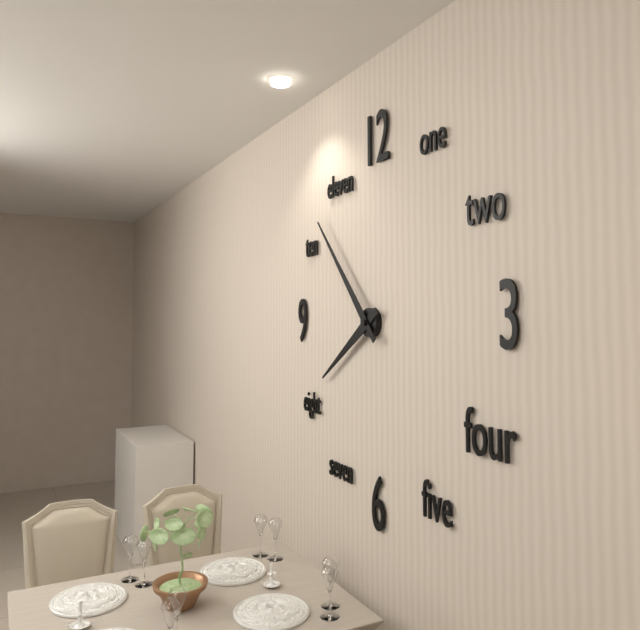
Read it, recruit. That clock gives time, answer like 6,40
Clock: 7,53
